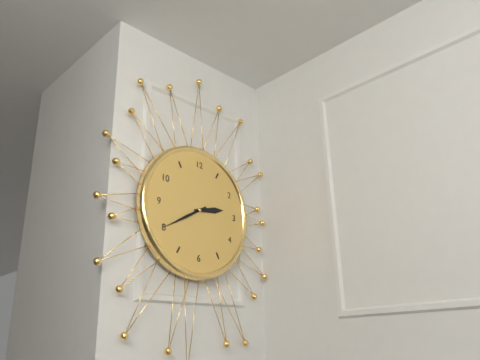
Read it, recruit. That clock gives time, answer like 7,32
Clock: 2,40
